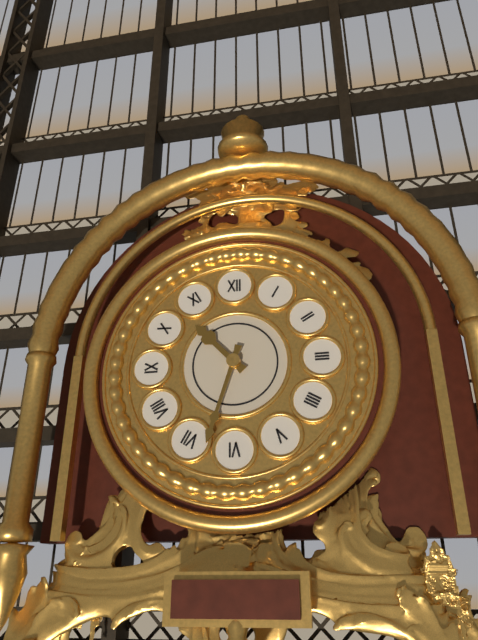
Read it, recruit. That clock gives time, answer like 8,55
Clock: 10,33
